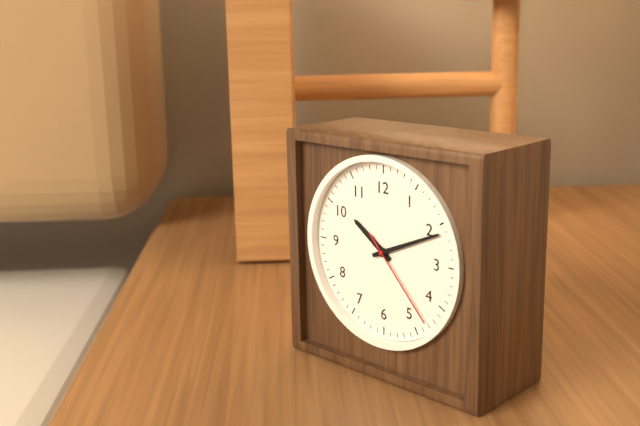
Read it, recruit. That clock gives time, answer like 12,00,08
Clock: 10,11,23
